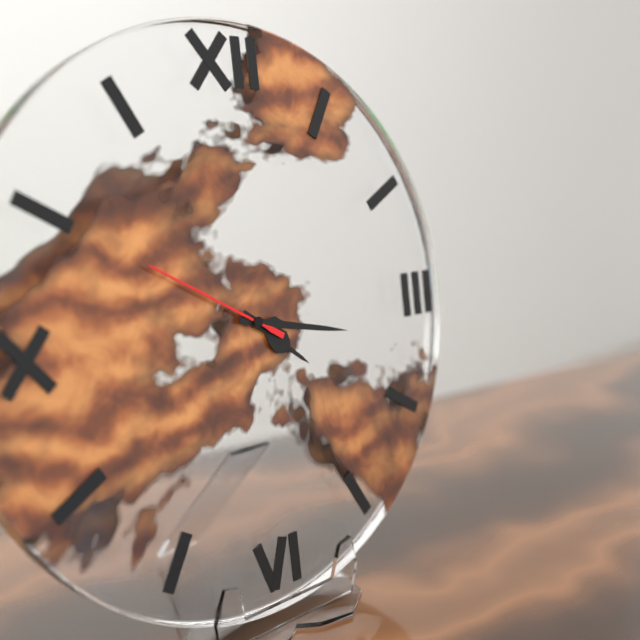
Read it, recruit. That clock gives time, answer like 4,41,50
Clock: 4,17,50
